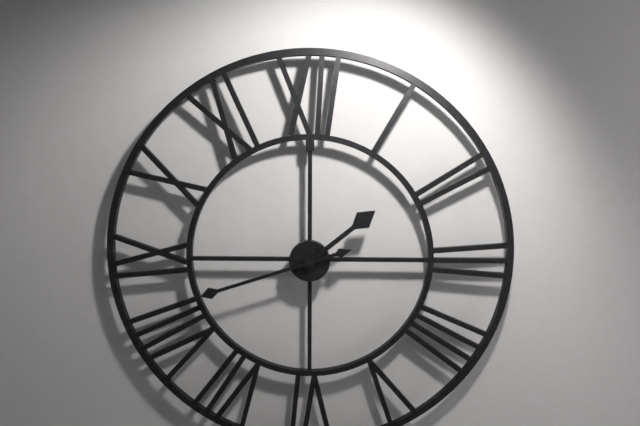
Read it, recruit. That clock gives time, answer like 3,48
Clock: 1,42
